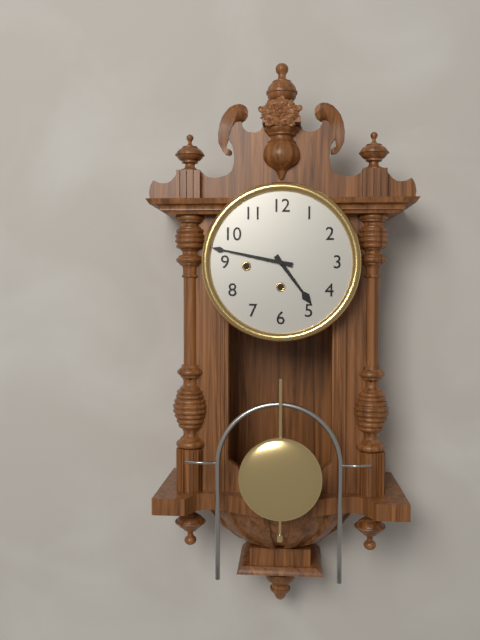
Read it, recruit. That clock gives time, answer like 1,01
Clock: 4,47
